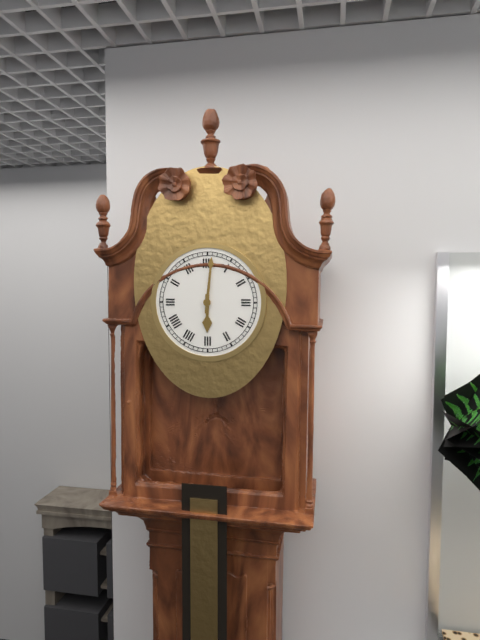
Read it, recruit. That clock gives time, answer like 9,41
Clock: 6,01
